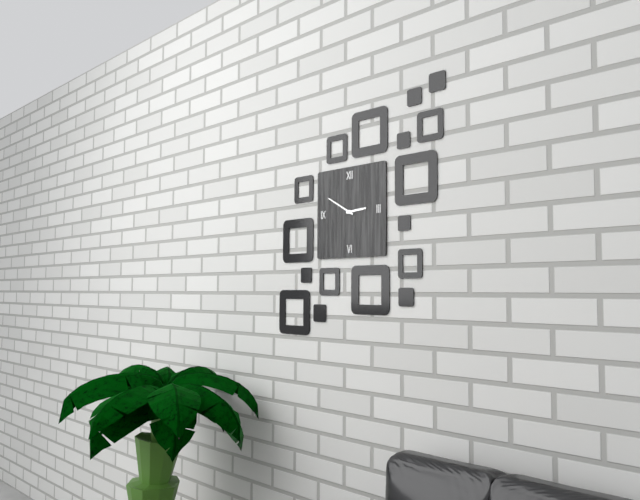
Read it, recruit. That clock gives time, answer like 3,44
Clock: 2,50
